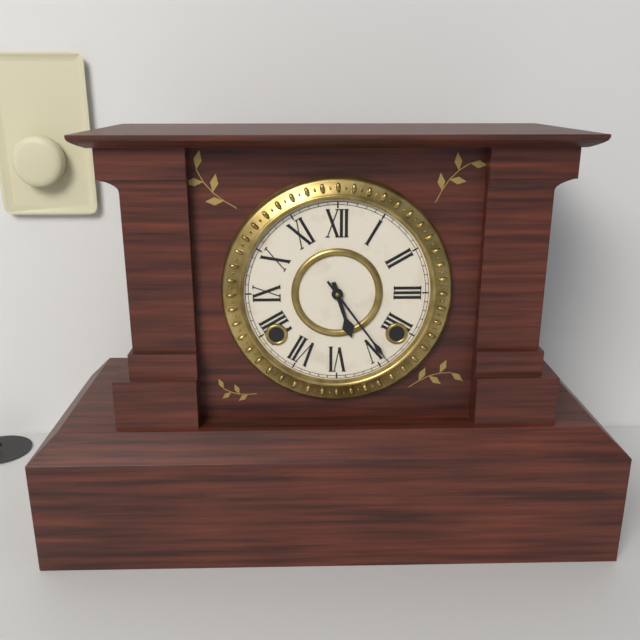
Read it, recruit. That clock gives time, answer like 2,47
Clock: 5,24
